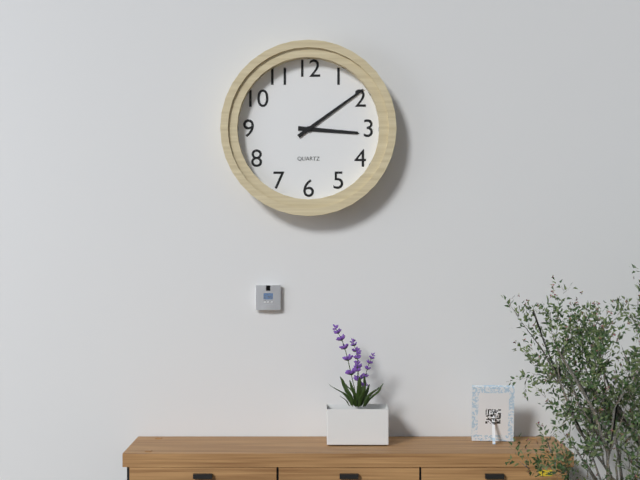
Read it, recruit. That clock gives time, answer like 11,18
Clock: 3,09
